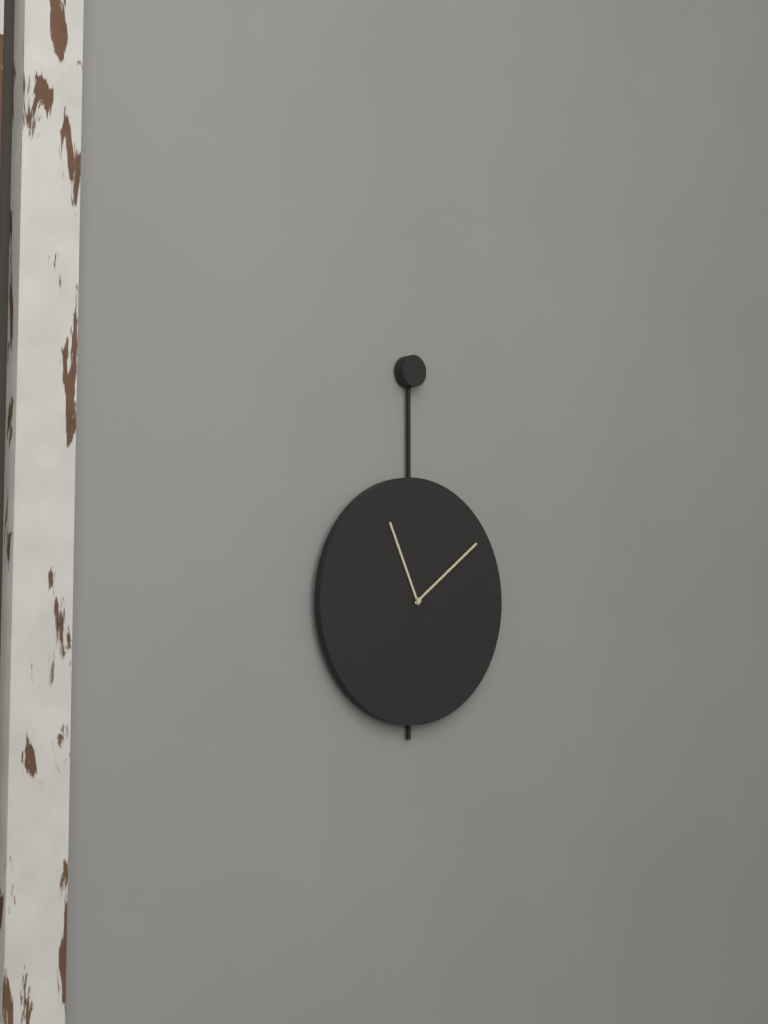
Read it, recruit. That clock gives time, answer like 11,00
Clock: 11,09
